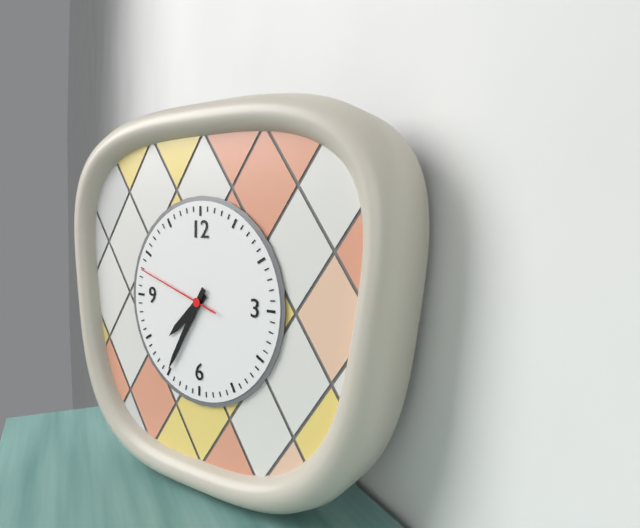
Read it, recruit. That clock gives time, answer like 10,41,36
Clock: 7,35,48
